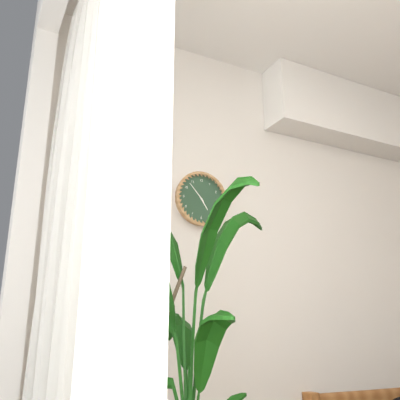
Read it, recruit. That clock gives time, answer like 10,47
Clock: 4,53
